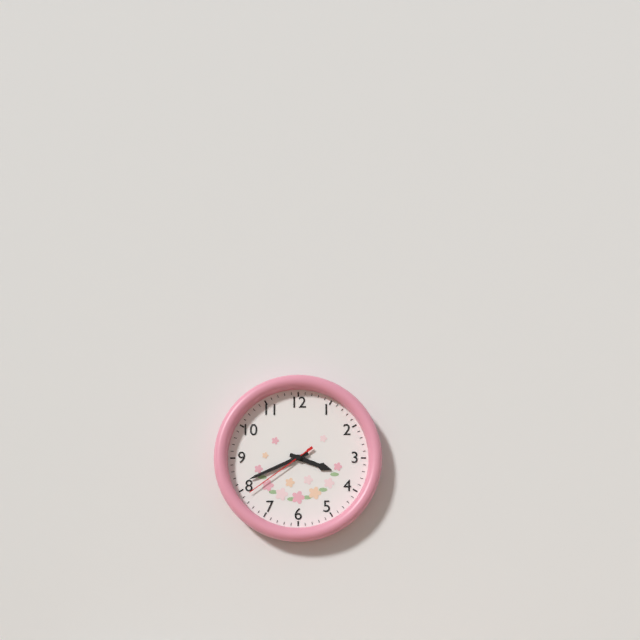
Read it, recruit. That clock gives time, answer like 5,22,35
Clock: 3,41,39
